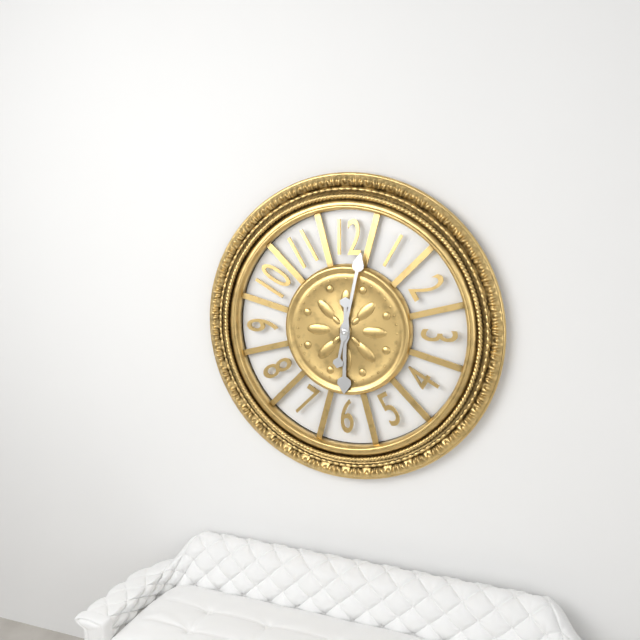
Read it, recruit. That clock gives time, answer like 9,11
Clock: 6,02
